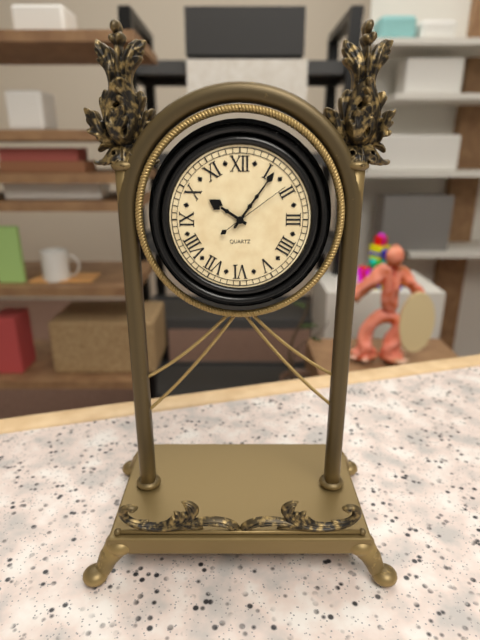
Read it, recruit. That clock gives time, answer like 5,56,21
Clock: 10,06,09
